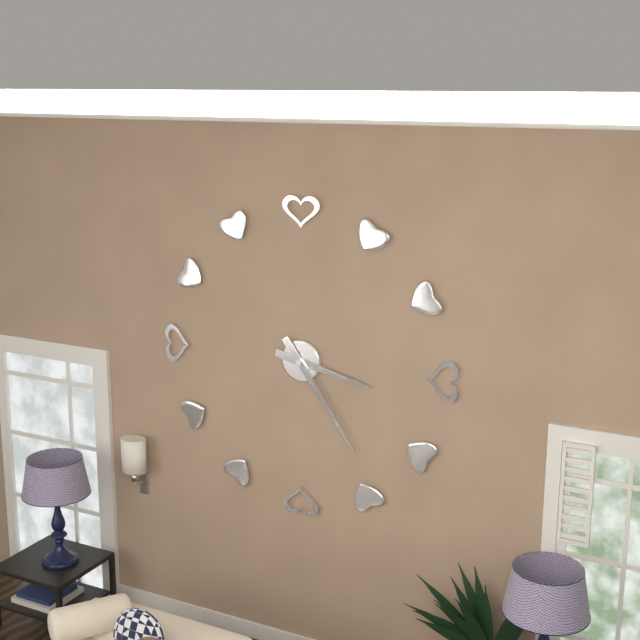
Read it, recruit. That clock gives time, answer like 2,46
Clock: 3,24
